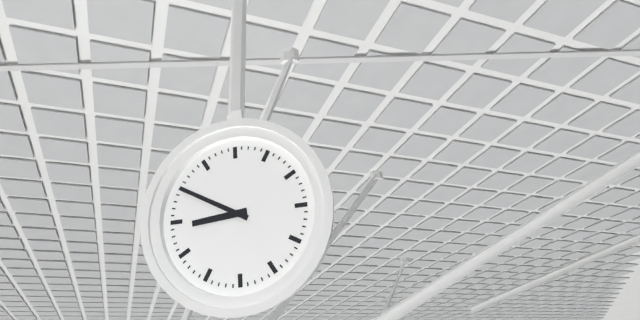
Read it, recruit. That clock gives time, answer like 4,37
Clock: 8,50
